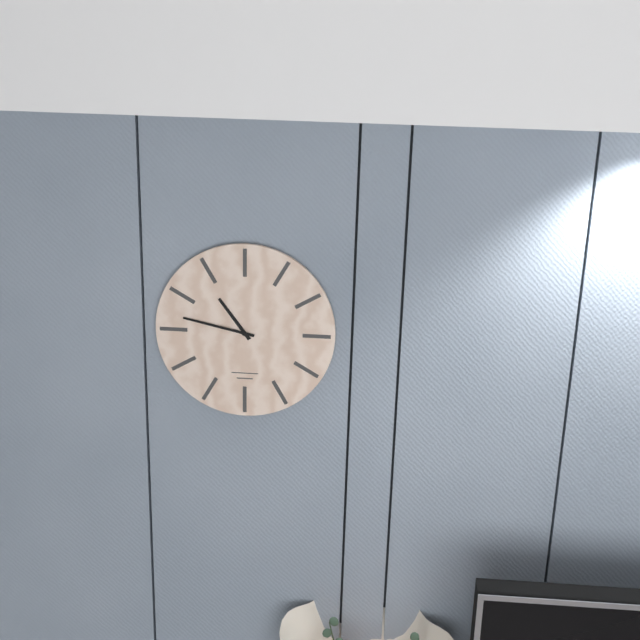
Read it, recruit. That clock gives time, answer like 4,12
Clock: 10,47
